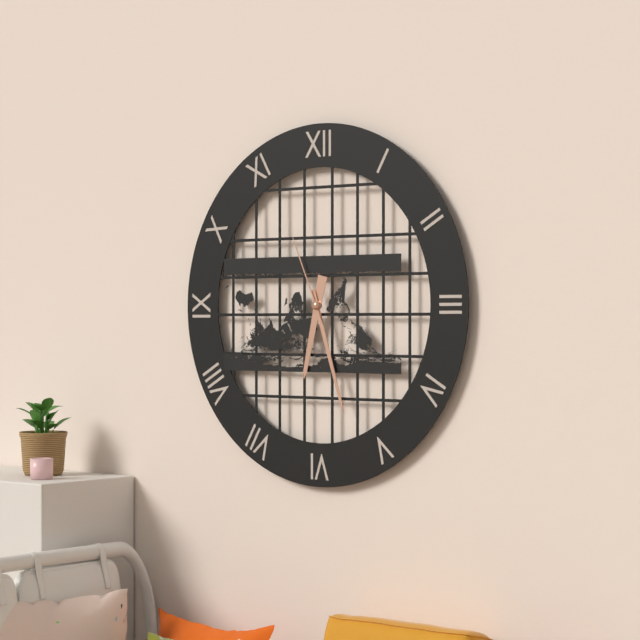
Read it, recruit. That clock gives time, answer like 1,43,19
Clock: 6,27,56
